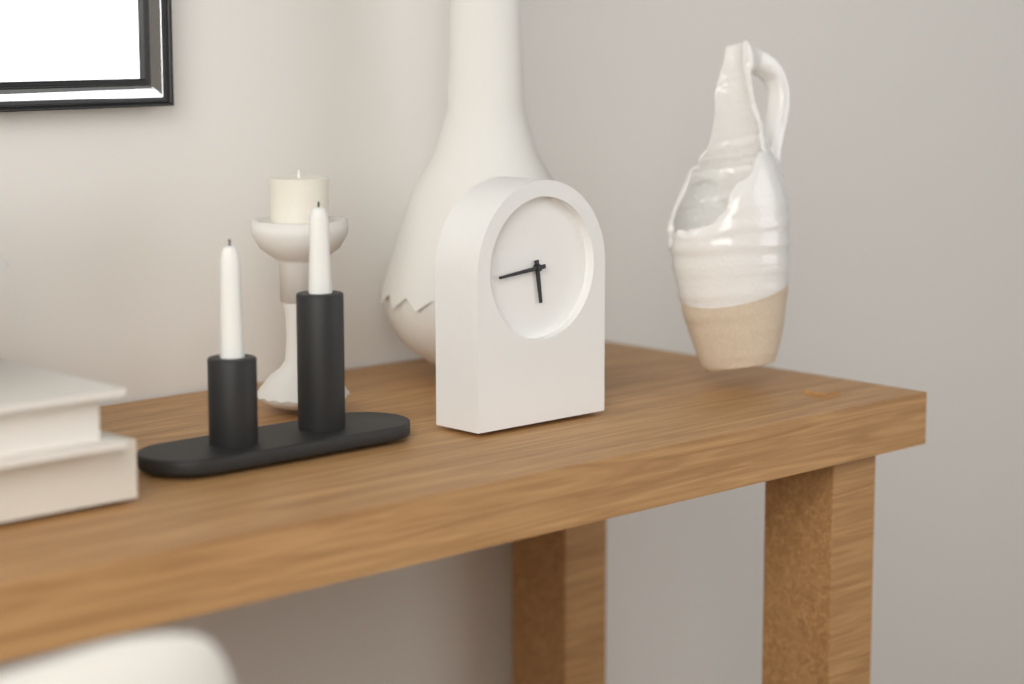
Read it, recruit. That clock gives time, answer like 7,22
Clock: 5,44
